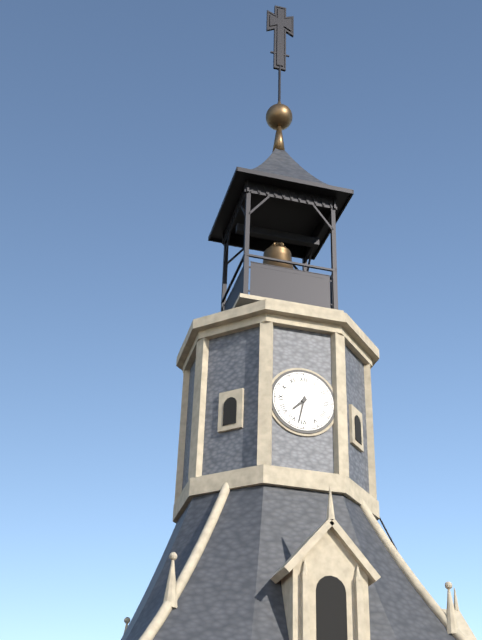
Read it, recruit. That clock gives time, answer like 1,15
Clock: 7,32
